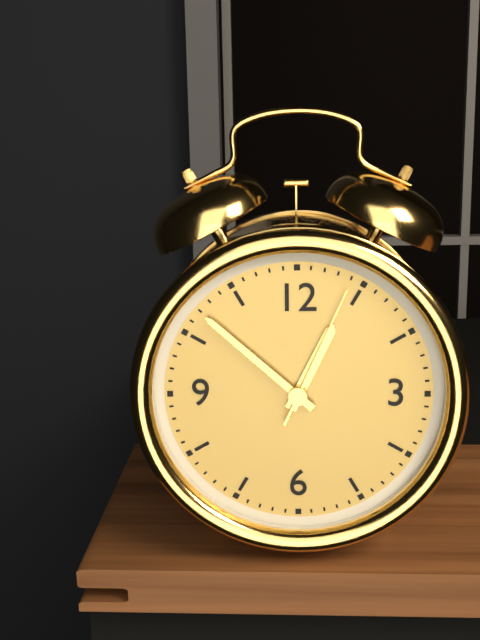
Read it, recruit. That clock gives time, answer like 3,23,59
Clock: 12,52,04
